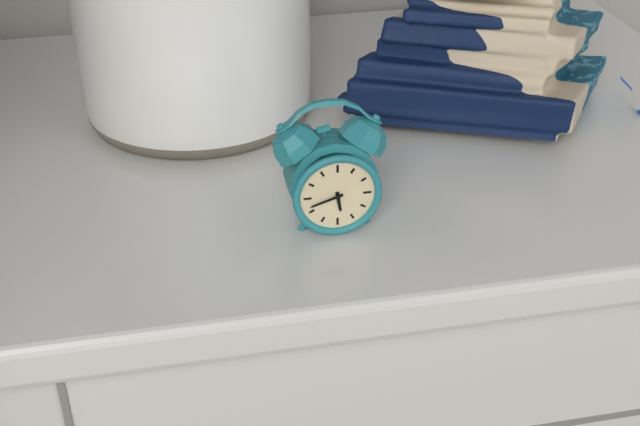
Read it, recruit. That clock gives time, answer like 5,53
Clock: 5,42
